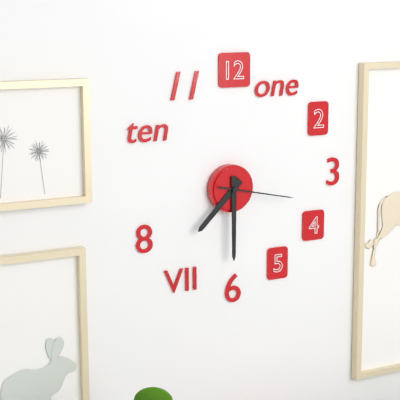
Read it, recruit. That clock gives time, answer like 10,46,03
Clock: 7,30,17
